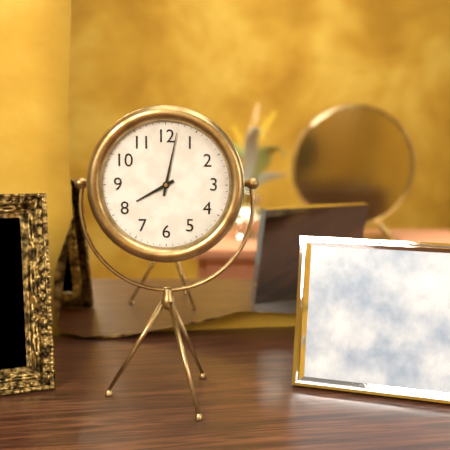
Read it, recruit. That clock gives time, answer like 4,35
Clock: 8,02
